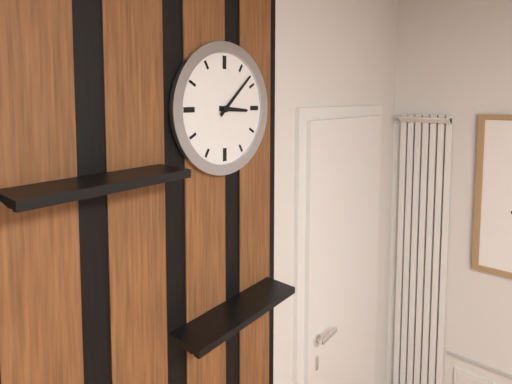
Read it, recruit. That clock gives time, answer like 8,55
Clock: 3,08
